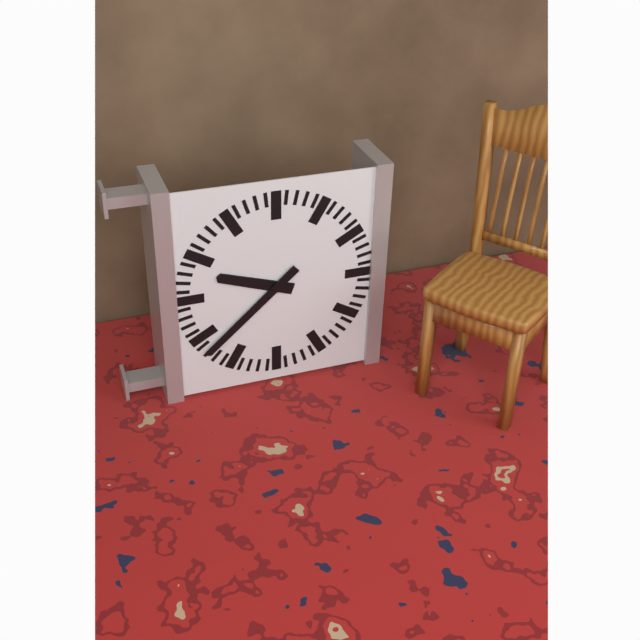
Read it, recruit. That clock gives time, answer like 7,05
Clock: 9,38
